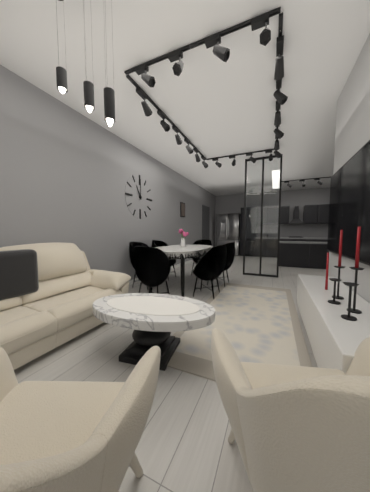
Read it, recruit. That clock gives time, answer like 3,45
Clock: 11,00
